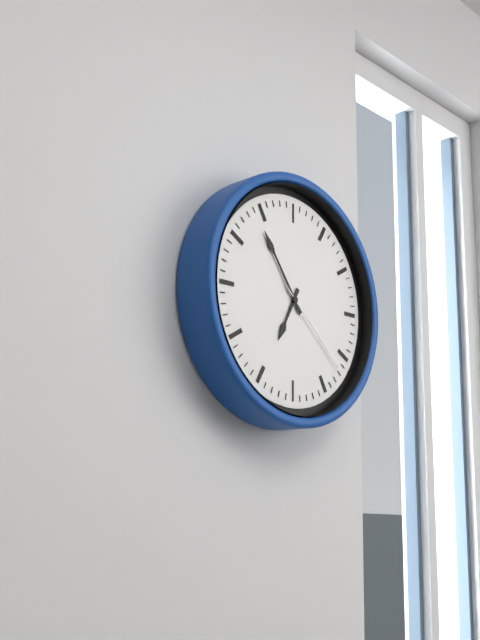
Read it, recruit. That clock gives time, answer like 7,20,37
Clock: 6,54,22
